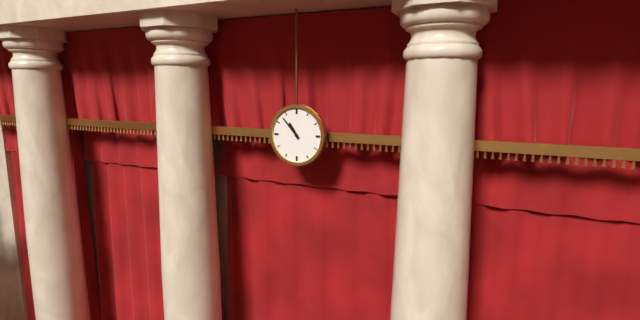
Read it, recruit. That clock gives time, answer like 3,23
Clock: 10,53
